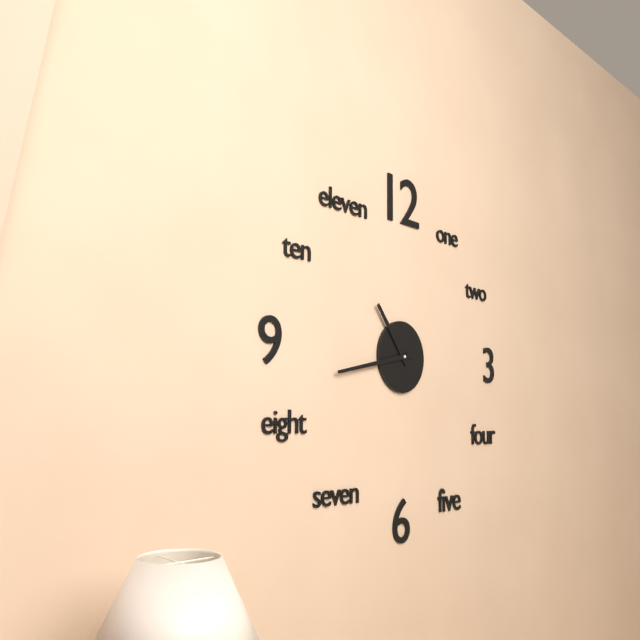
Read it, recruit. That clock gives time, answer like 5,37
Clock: 10,43
